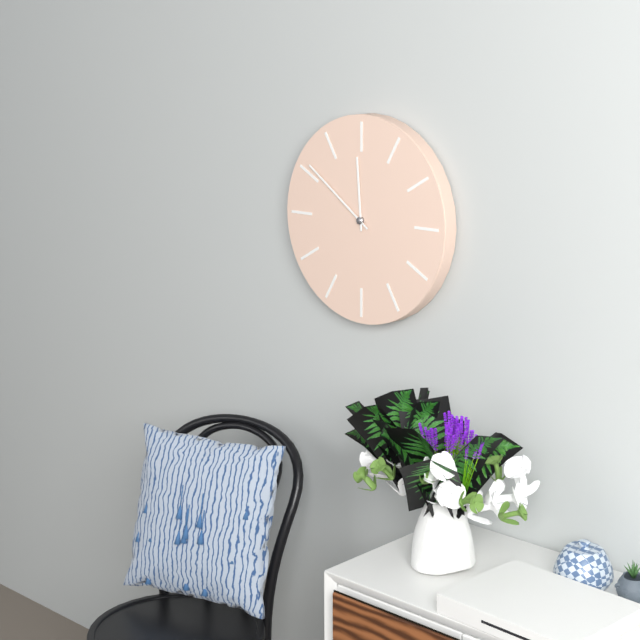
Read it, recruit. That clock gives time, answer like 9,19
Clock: 11,51
